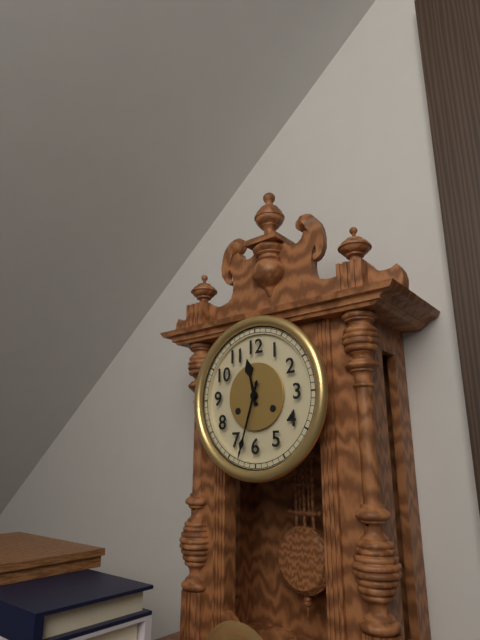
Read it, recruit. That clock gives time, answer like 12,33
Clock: 11,33
